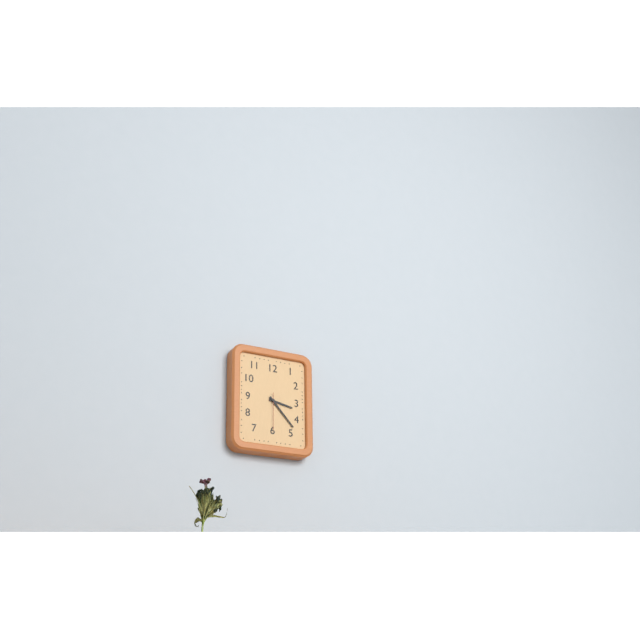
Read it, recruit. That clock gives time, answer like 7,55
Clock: 3,23
